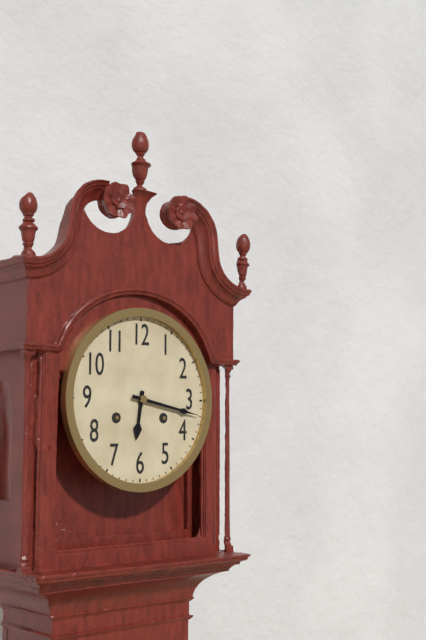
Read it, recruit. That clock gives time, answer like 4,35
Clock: 6,17
